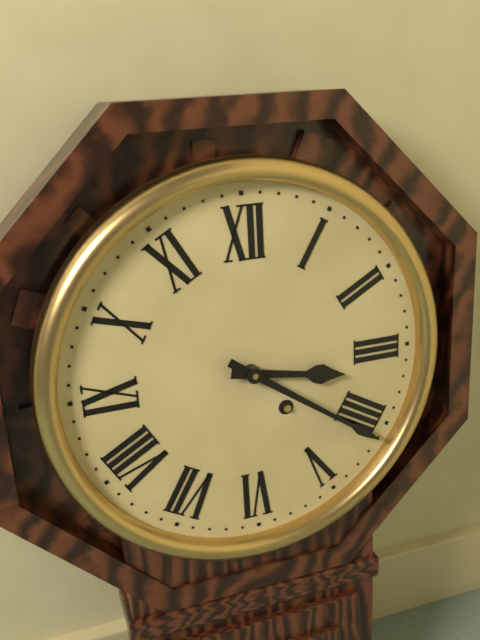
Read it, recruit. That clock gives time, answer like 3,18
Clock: 3,21
